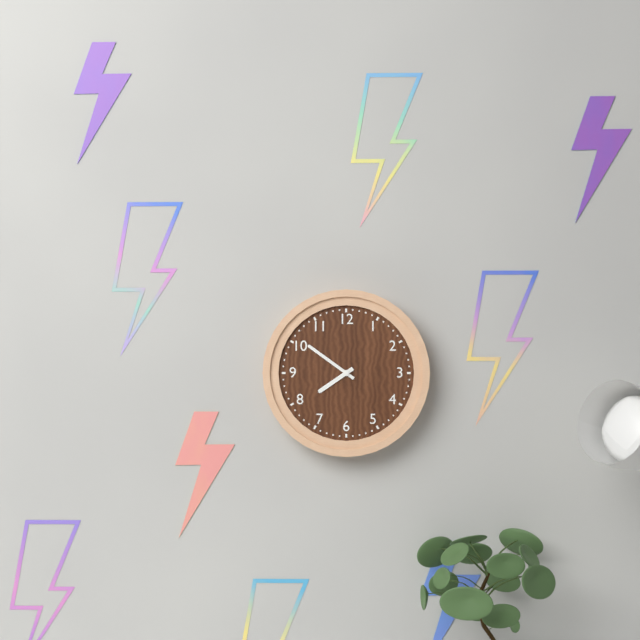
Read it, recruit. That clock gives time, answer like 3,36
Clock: 7,51
